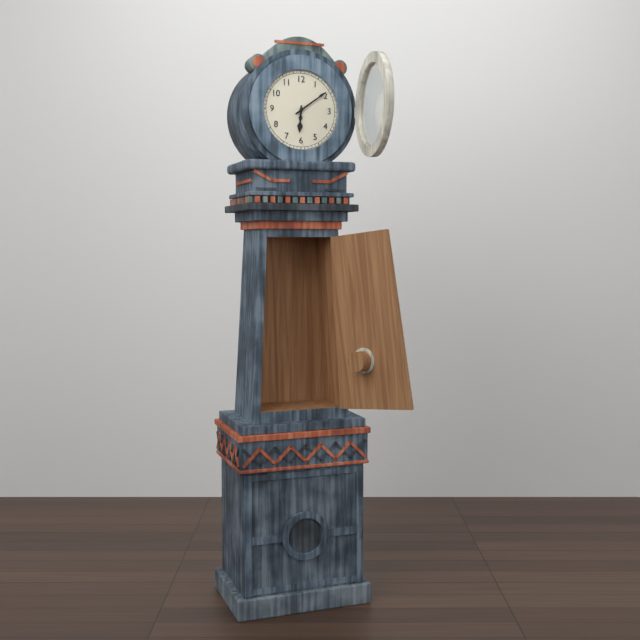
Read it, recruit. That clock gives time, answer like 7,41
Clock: 6,09
